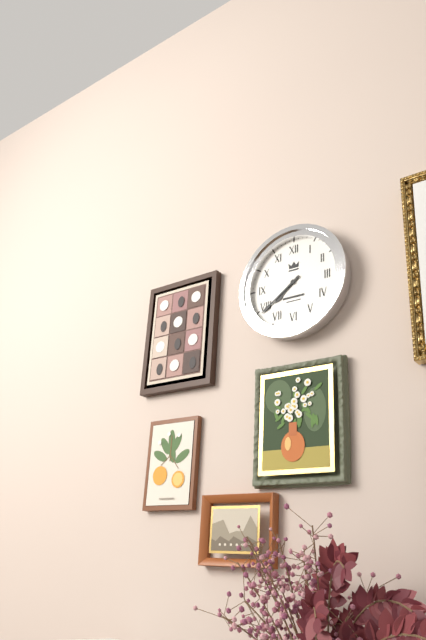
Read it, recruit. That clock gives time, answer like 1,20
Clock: 7,39
